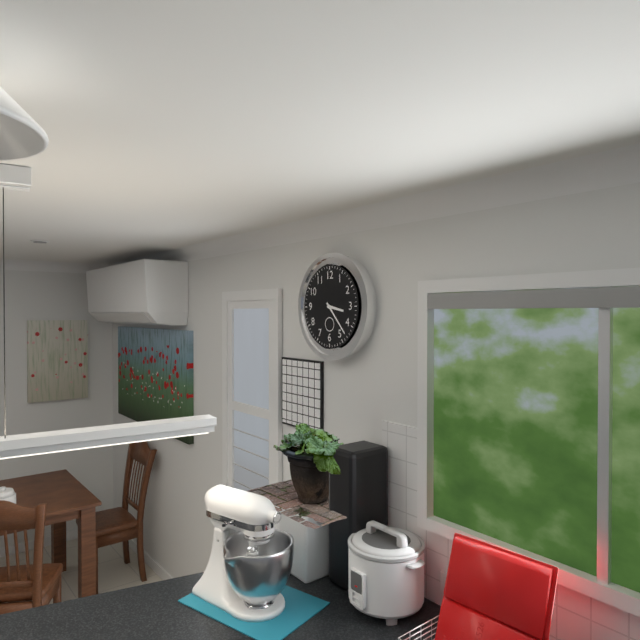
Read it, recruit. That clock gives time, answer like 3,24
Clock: 3,23
